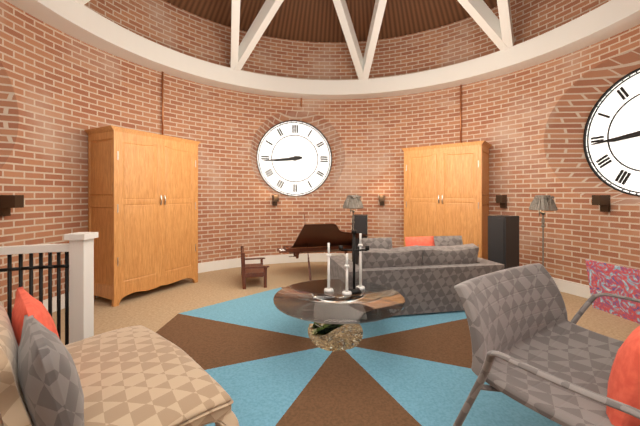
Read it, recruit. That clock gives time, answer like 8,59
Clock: 8,44
